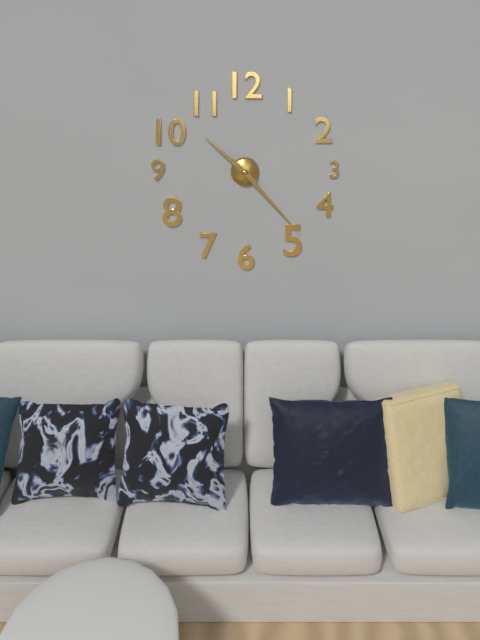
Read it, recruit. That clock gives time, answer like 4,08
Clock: 10,23
